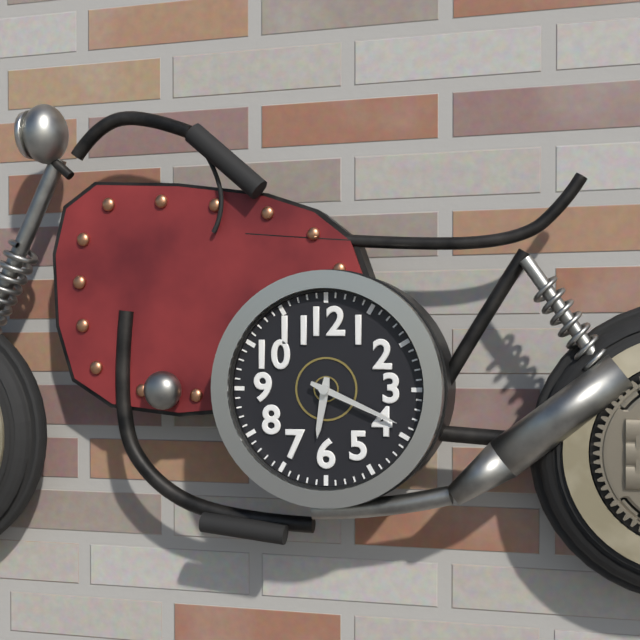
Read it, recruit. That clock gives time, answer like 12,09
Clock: 6,19
